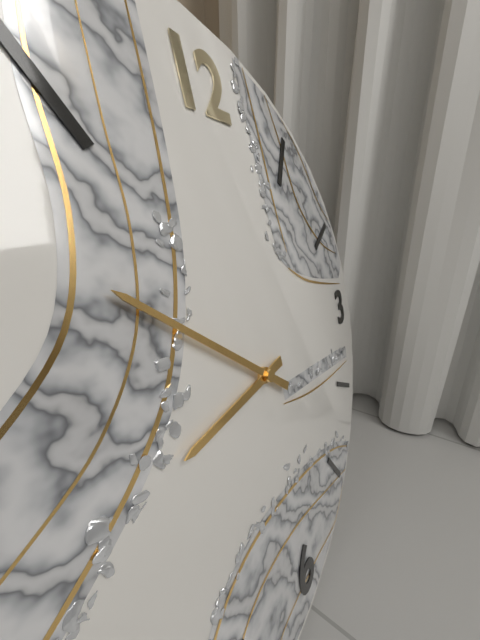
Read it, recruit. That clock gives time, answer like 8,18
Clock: 8,52
